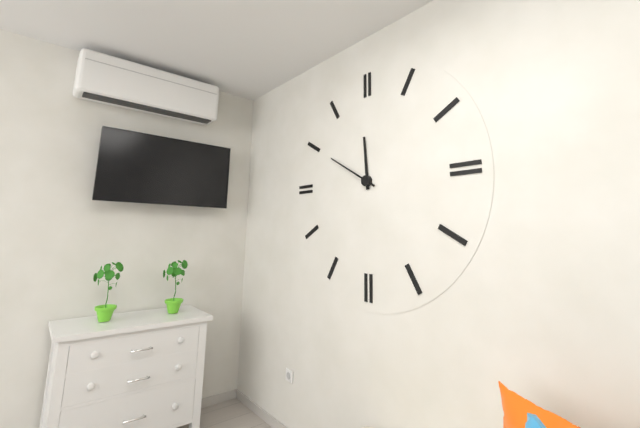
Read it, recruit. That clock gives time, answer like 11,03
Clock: 11,50
